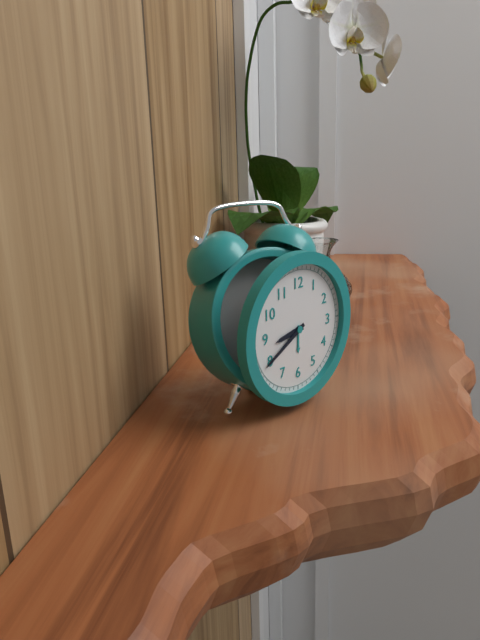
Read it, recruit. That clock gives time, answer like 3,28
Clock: 8,40
